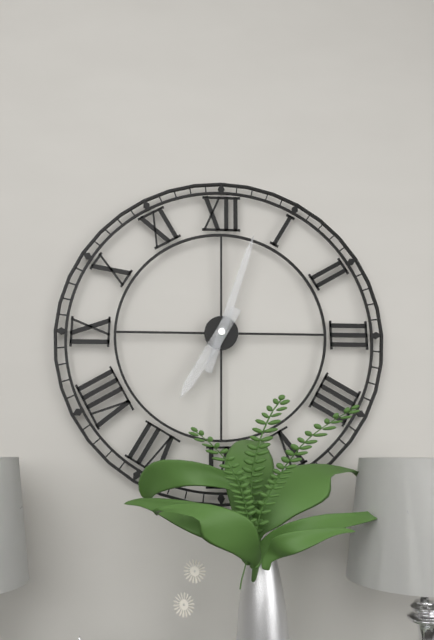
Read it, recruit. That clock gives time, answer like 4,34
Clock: 7,03
